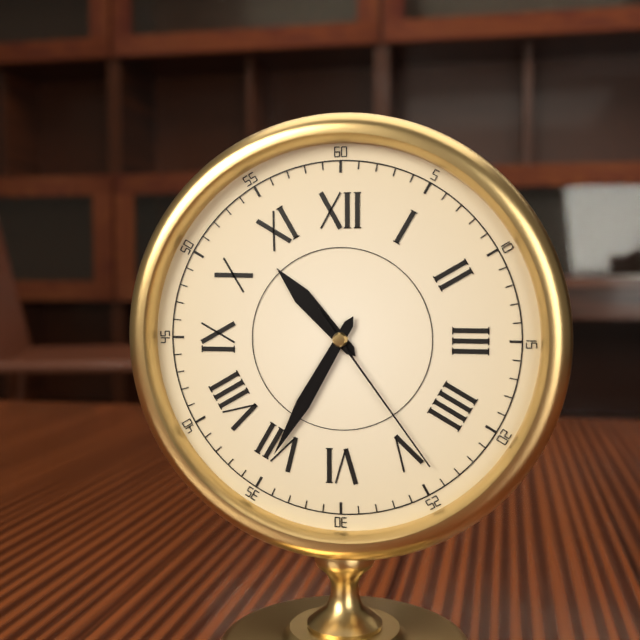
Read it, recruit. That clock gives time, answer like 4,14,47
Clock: 10,35,24
